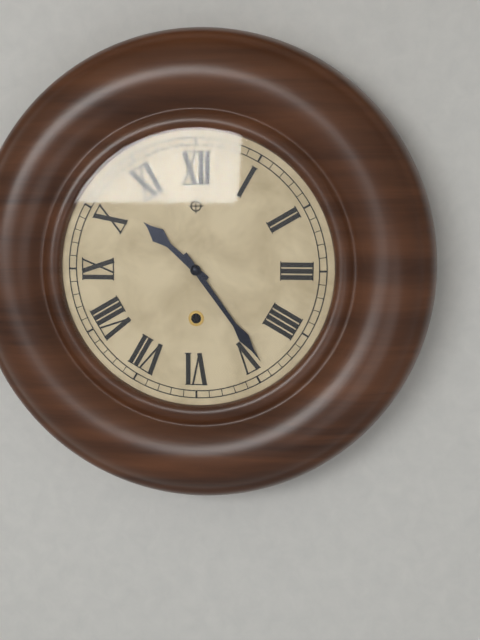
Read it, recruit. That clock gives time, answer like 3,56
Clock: 10,24
